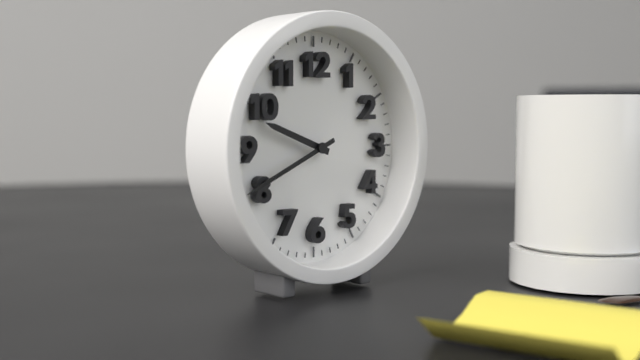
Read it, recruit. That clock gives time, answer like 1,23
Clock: 9,41
